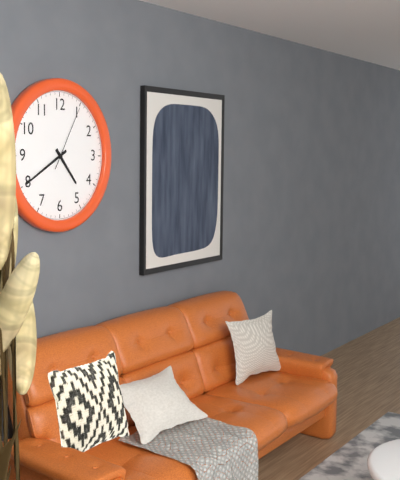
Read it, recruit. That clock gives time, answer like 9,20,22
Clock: 4,40,05
